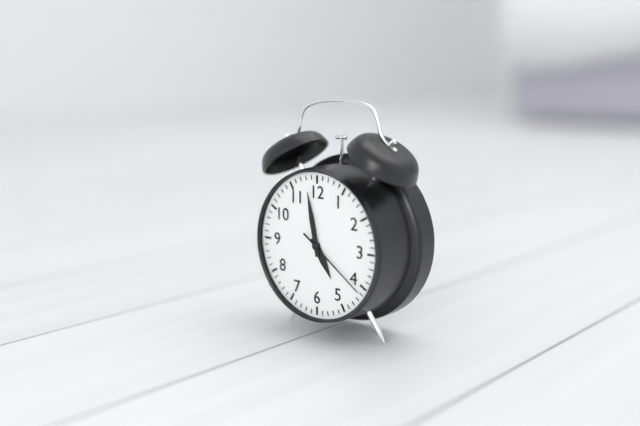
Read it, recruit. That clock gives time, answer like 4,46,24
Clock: 4,58,21
